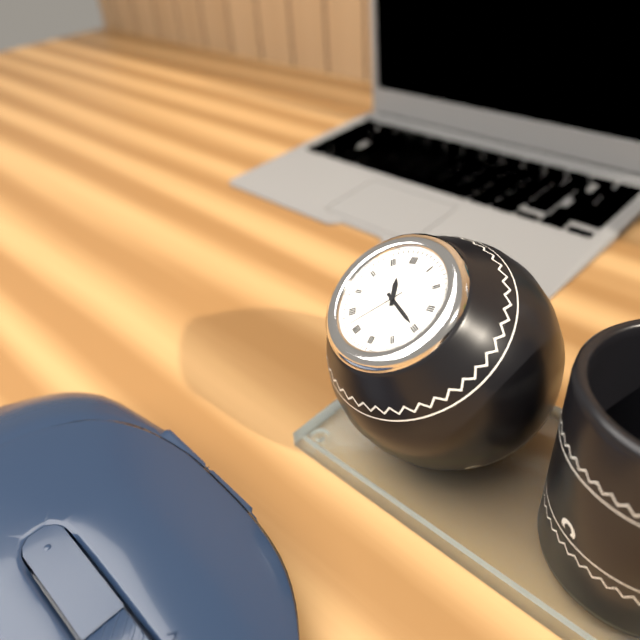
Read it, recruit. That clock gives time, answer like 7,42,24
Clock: 11,20,37
